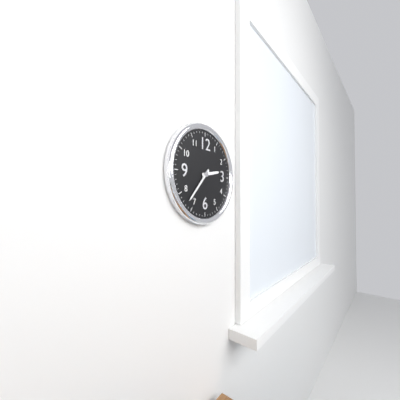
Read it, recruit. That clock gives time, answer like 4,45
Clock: 2,37
